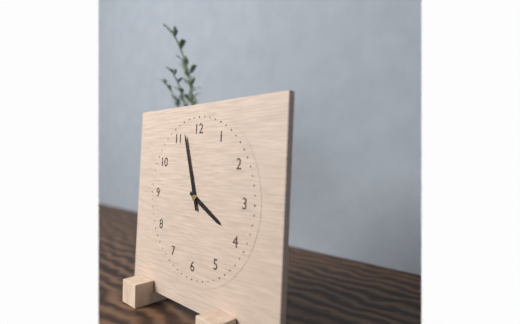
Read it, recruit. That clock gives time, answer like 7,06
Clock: 3,57
